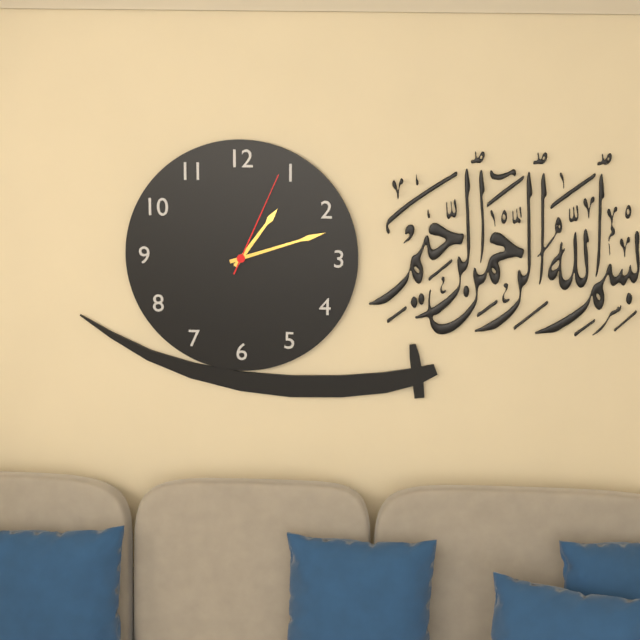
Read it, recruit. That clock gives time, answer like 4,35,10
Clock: 1,12,04
